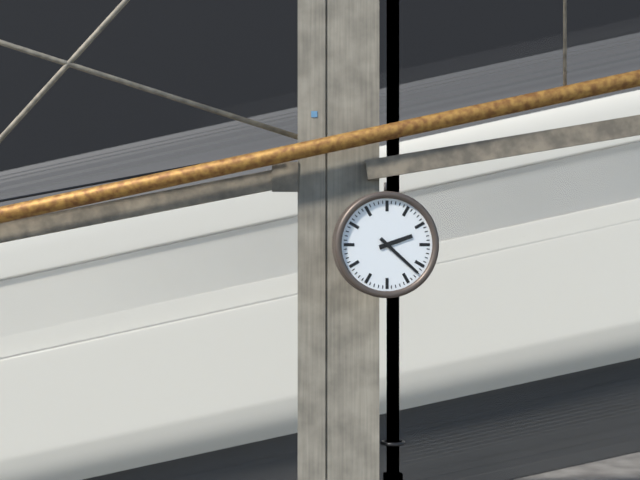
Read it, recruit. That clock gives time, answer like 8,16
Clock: 2,22
